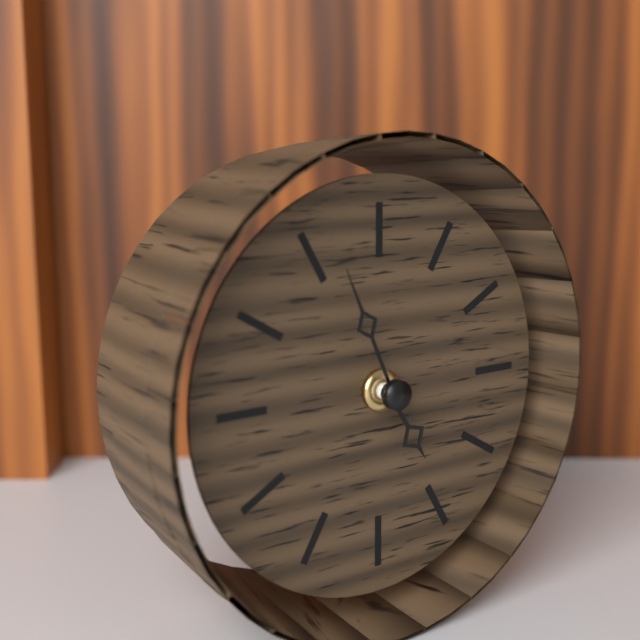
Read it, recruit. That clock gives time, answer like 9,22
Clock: 4,56
